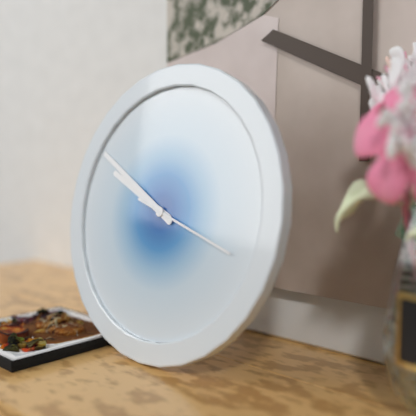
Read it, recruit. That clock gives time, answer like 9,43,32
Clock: 9,50,18
